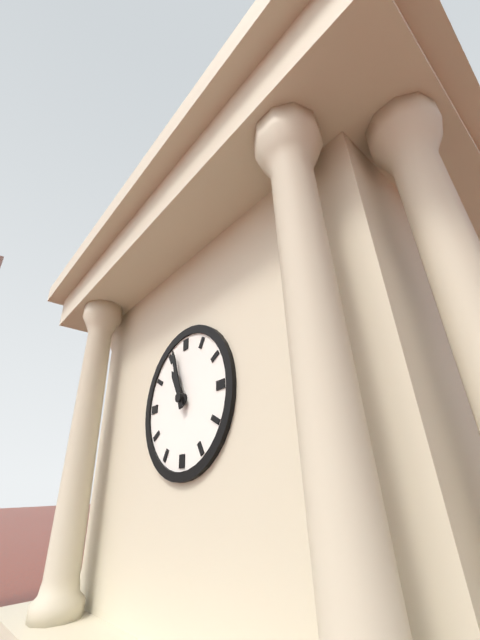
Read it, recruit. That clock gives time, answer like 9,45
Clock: 10,57
